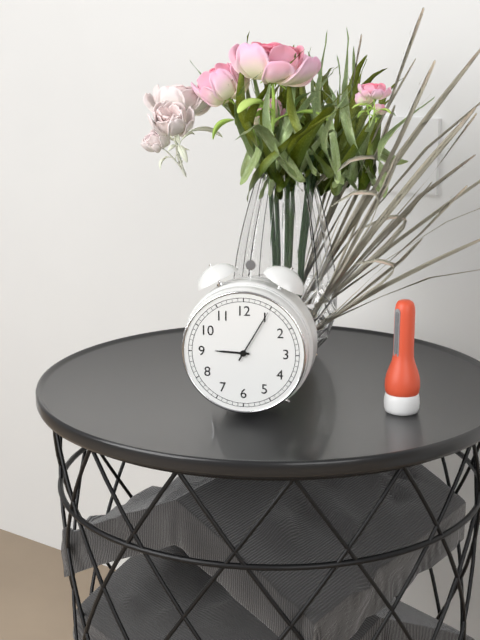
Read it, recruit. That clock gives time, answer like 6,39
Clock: 9,05
